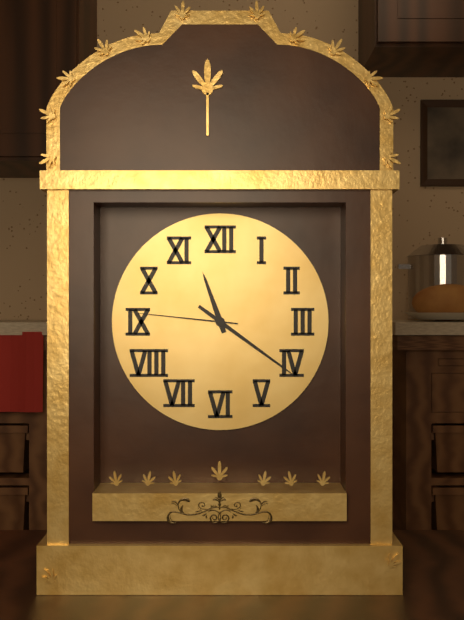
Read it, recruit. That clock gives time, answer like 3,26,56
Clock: 11,21,46
